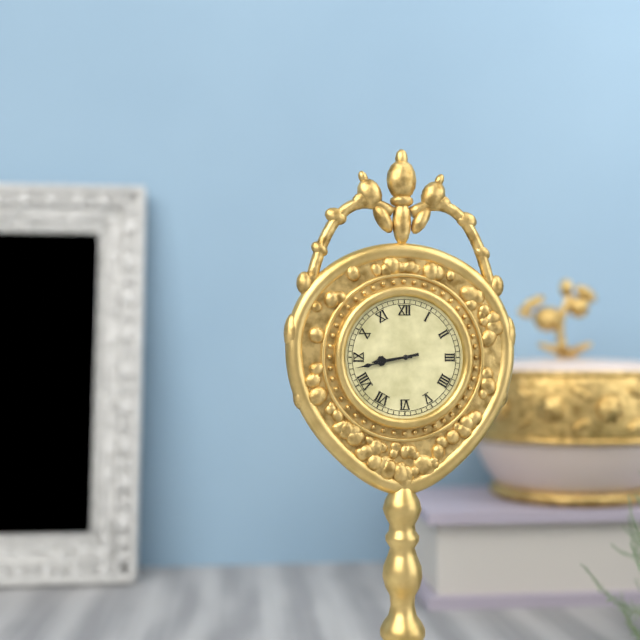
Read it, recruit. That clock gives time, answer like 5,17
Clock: 8,43
